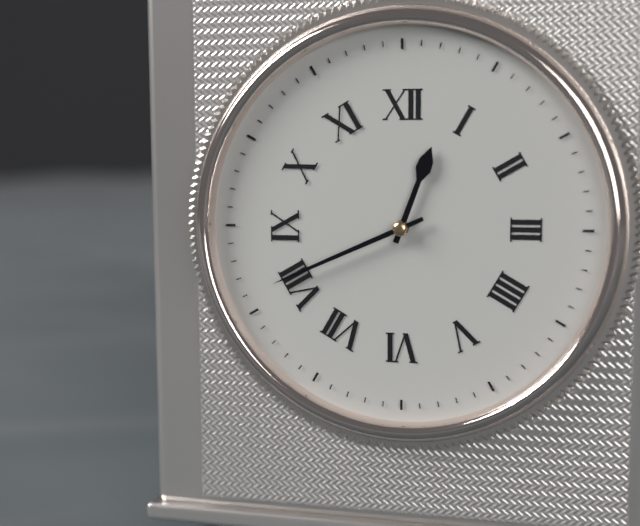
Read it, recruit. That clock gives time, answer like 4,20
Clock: 12,41
